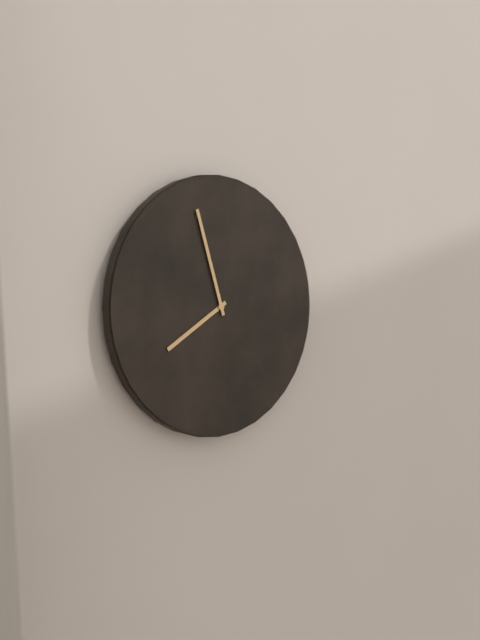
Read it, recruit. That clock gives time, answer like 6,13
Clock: 7,57
